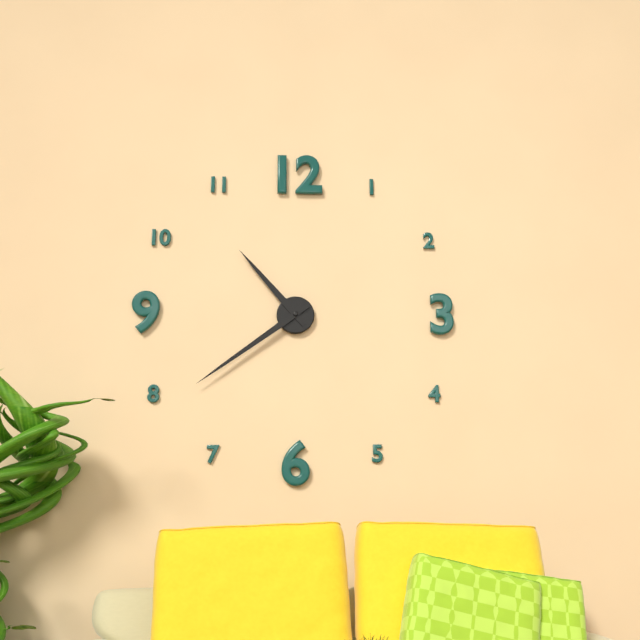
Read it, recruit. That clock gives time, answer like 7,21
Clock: 10,39
